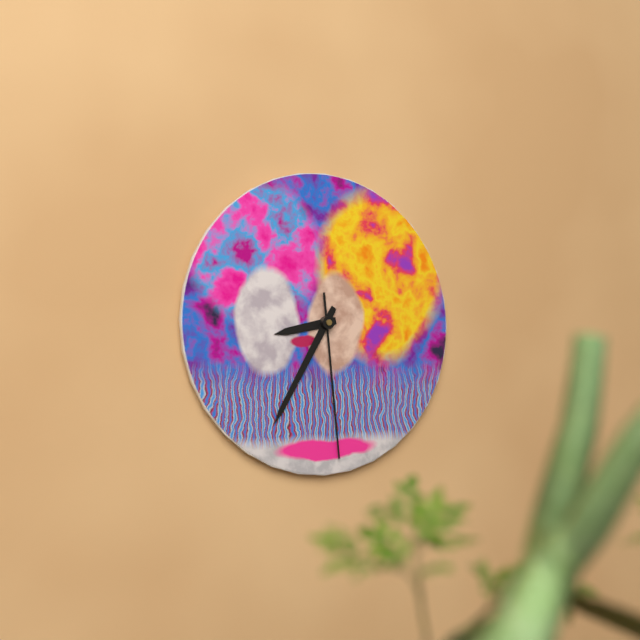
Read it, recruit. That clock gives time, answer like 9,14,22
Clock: 8,35,29
